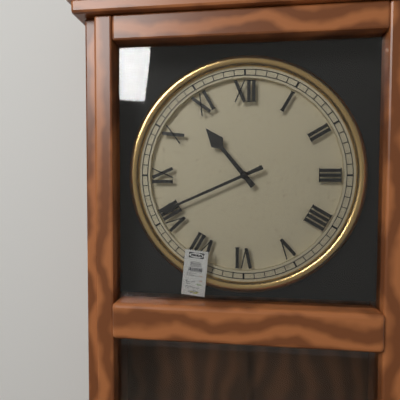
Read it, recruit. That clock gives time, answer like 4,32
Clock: 10,41
